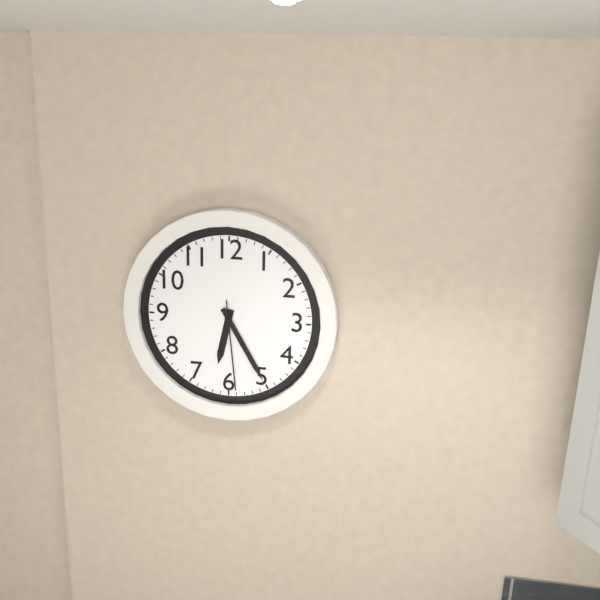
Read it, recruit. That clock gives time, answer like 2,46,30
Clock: 6,25,29
